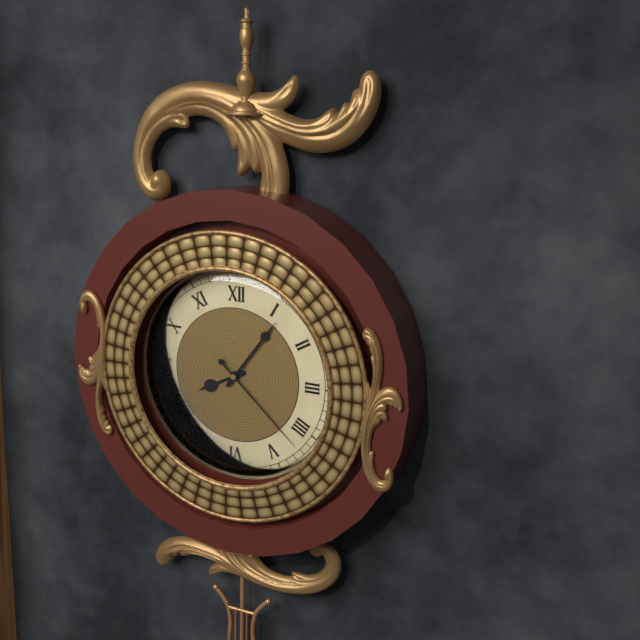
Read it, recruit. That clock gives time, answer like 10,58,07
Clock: 8,06,22
